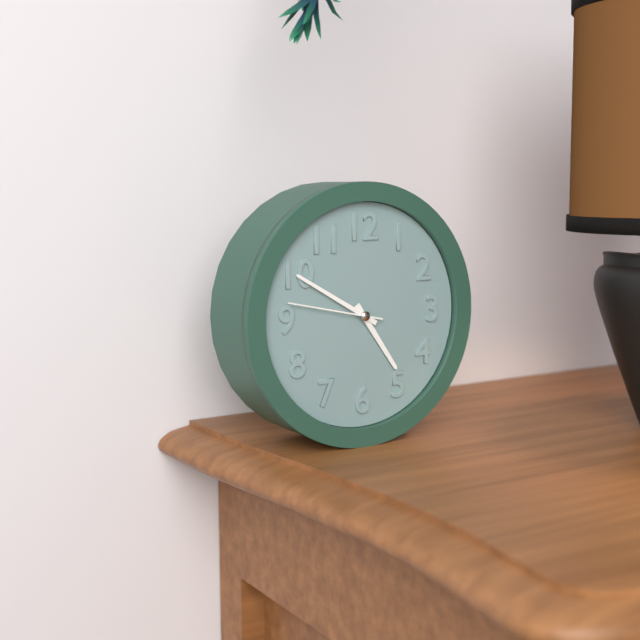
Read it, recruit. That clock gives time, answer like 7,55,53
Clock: 4,50,47
